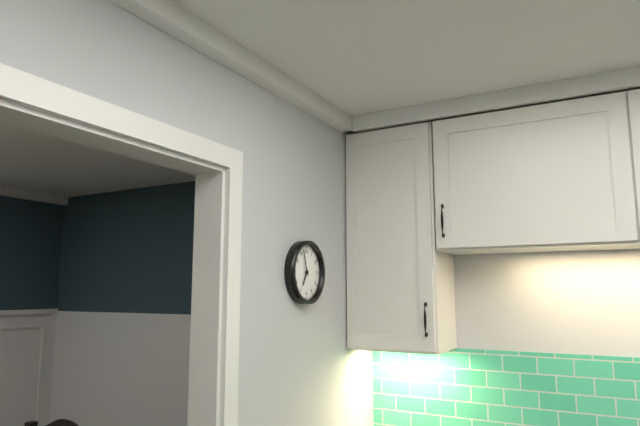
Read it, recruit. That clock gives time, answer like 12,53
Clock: 6,57
